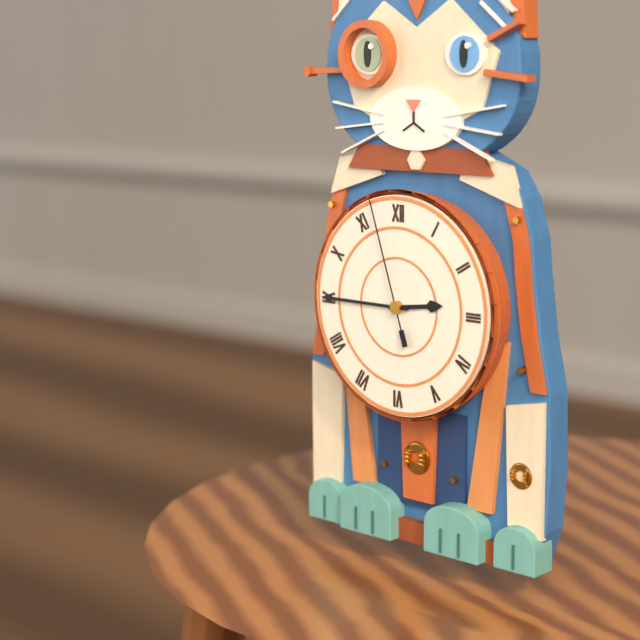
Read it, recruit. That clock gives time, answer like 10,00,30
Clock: 2,45,57
